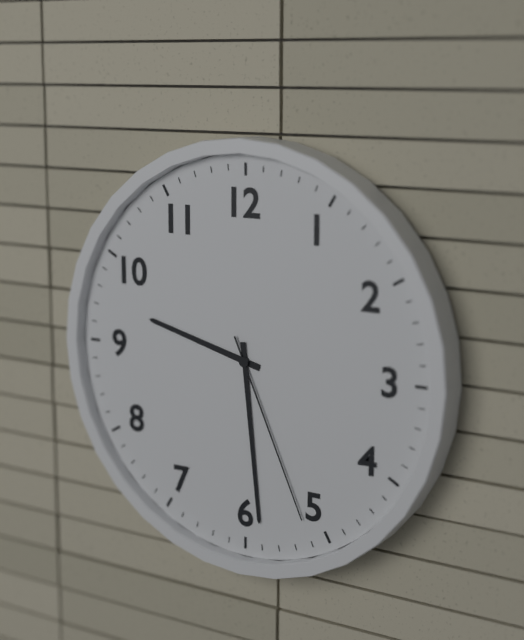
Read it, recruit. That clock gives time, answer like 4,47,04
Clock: 9,29,26
